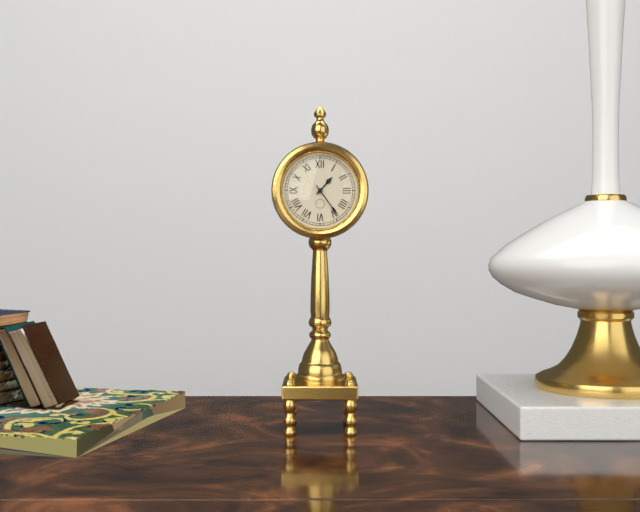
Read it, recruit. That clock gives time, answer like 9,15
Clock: 1,24
